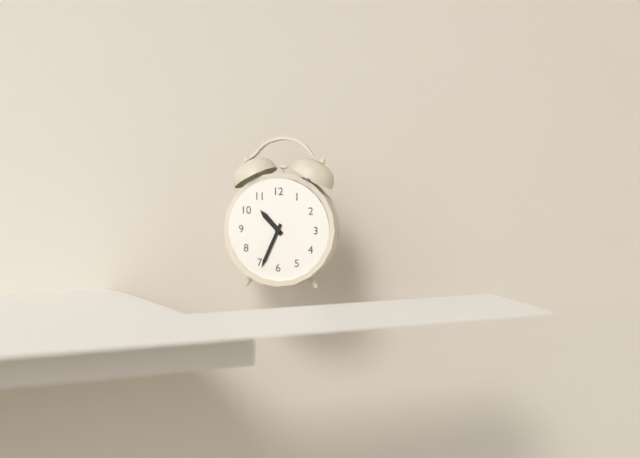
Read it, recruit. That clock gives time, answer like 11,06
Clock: 10,34
